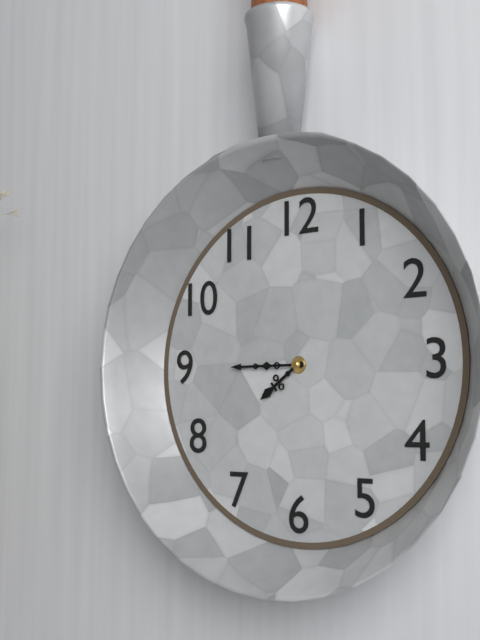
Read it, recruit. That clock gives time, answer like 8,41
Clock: 7,45
